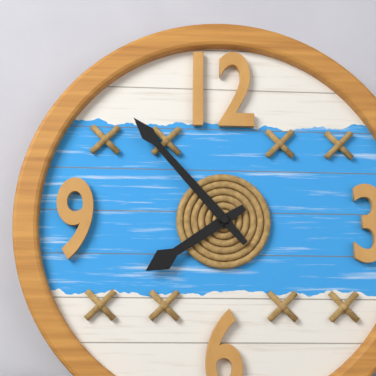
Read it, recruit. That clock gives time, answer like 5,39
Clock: 7,53
